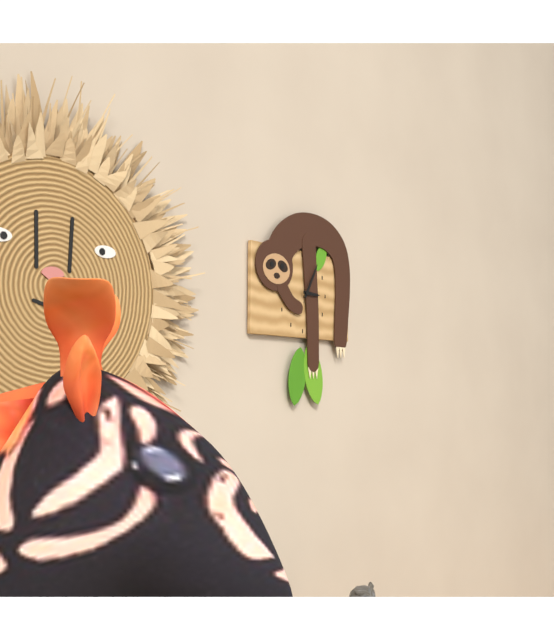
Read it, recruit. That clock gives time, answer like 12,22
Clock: 3,05
